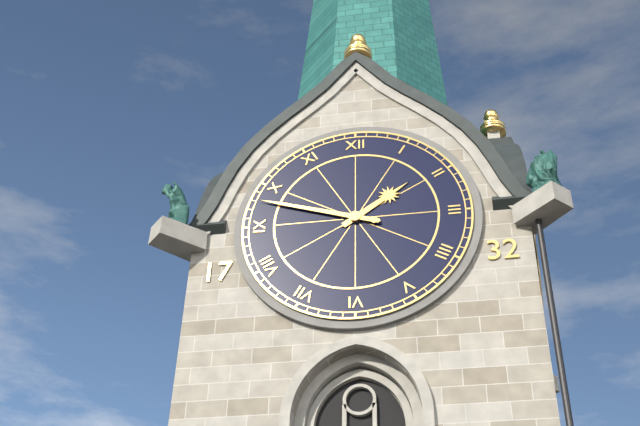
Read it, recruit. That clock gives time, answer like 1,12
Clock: 1,48
